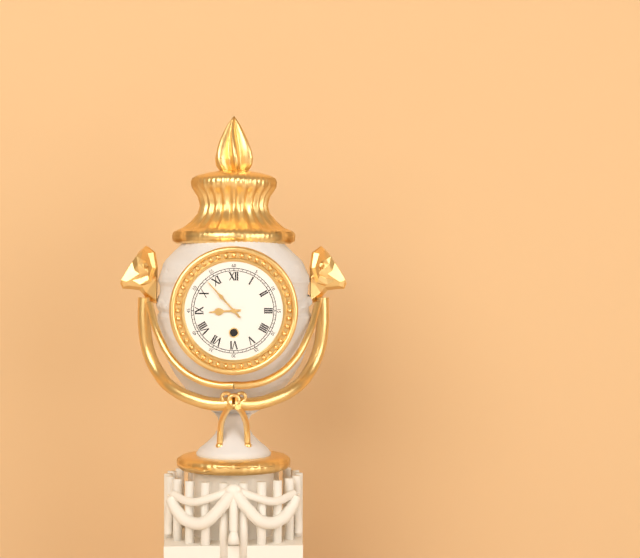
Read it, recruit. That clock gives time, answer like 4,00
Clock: 8,53
